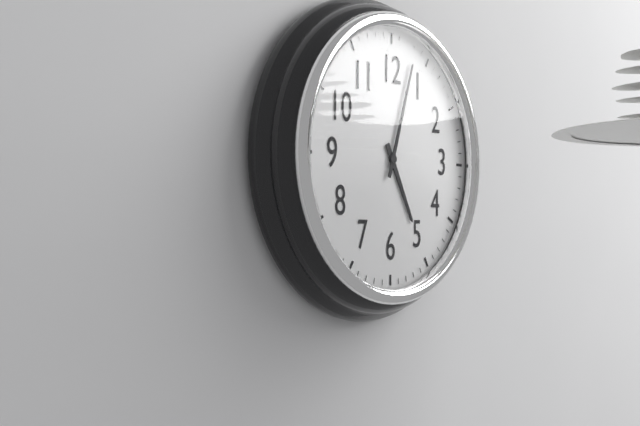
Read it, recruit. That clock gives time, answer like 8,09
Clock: 5,03
